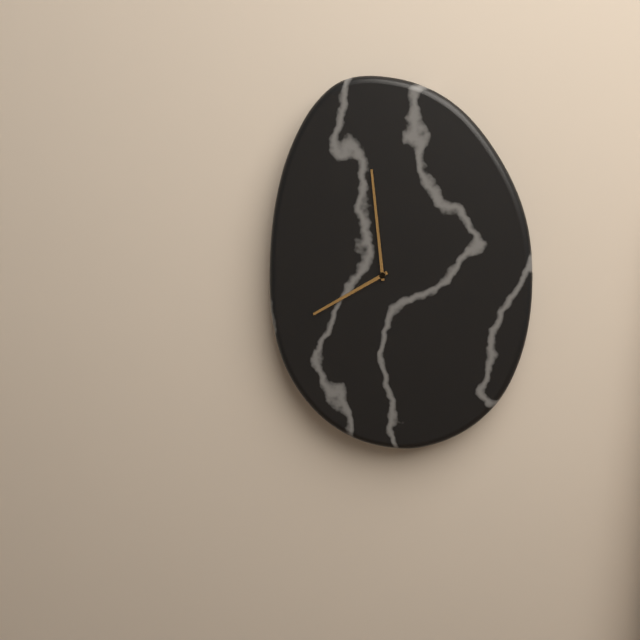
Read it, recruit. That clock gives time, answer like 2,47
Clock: 7,59
